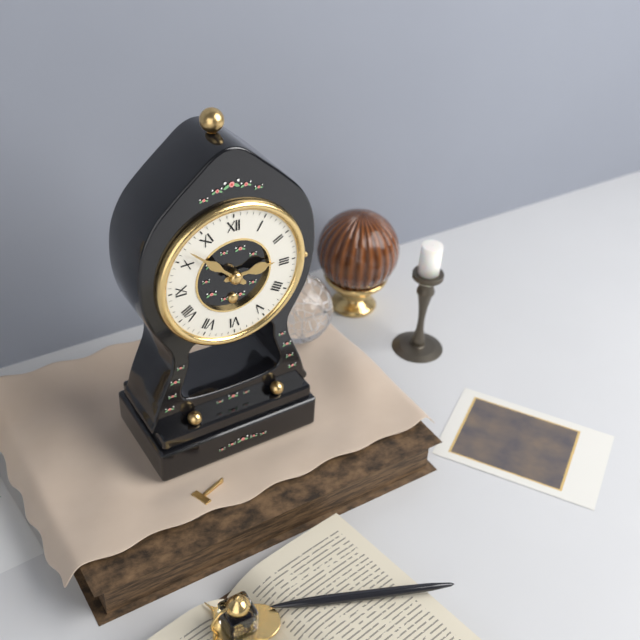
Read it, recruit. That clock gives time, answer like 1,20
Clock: 2,52
